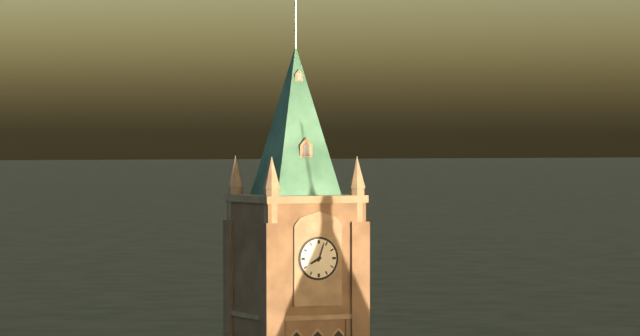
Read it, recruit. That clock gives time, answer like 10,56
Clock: 8,03
